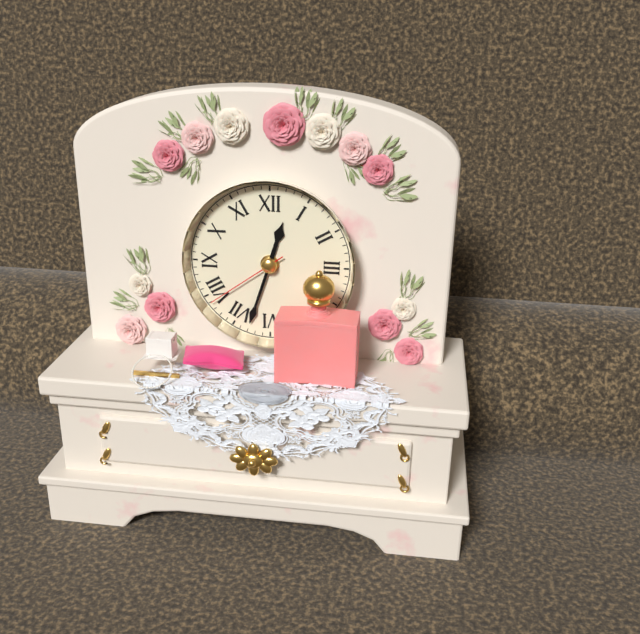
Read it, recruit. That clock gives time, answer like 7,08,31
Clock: 12,33,39
